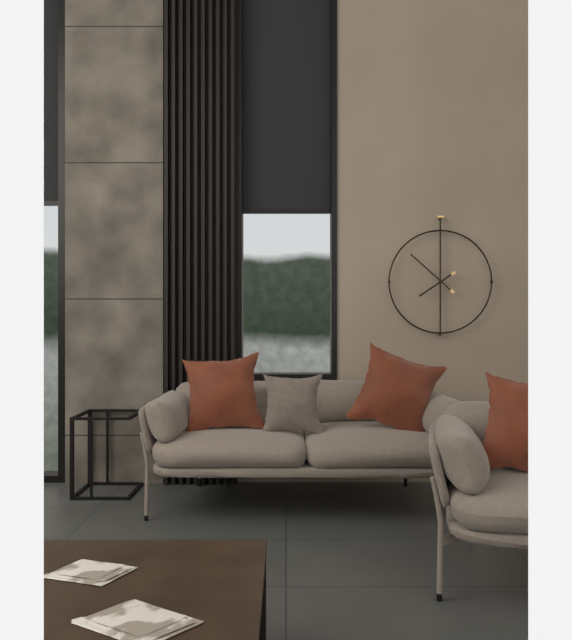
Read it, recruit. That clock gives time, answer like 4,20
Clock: 7,52
